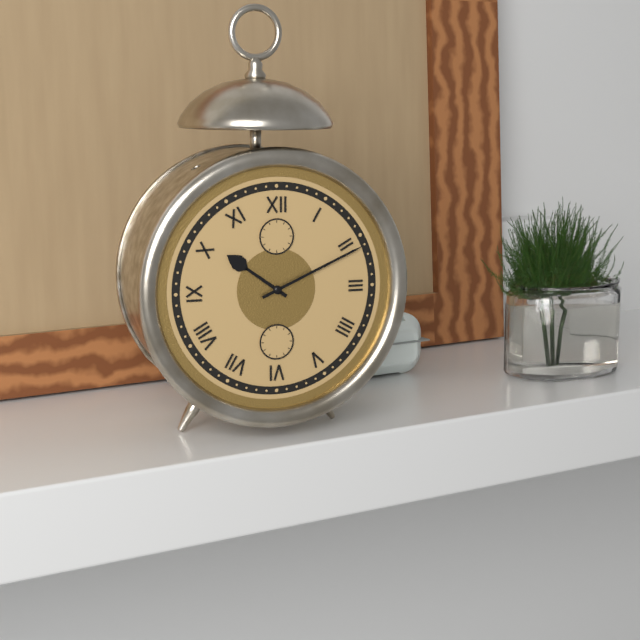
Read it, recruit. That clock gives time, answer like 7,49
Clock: 10,11
